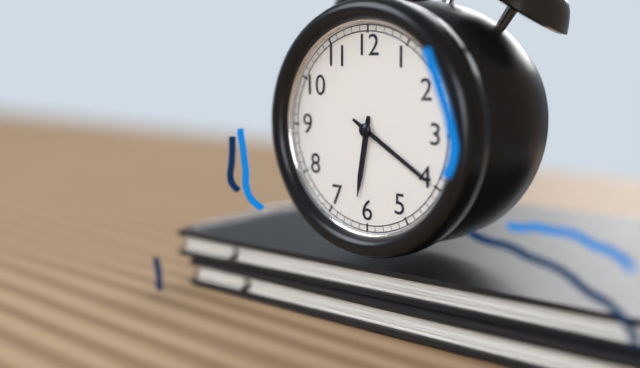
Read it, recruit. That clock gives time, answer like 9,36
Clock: 6,20
